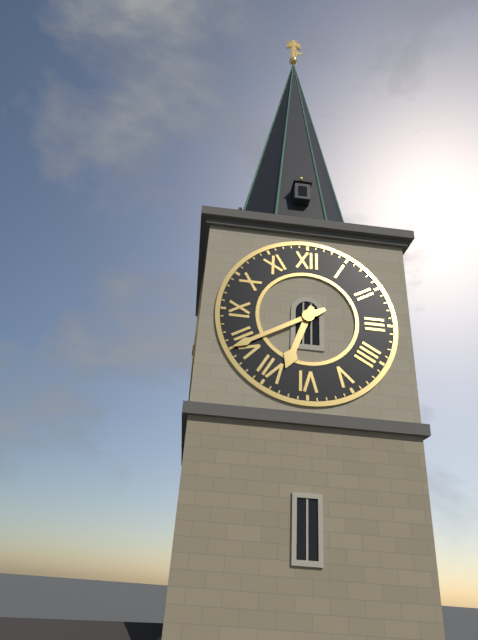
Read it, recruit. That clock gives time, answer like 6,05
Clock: 6,40
